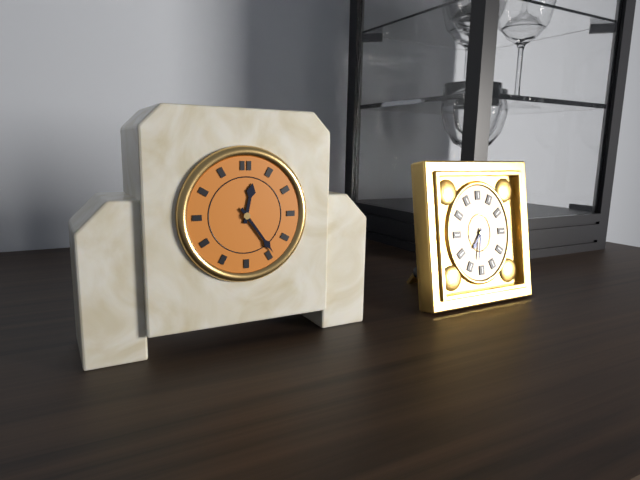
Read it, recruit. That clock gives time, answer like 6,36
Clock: 12,24
